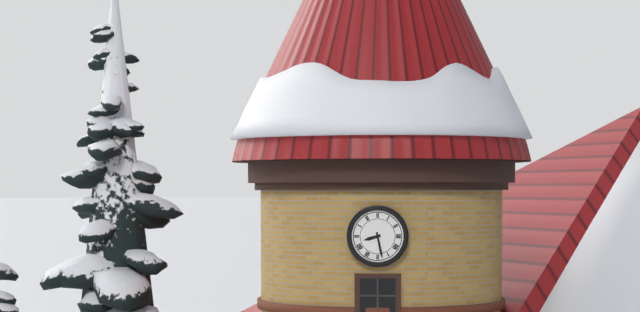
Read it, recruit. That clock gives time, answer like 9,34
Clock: 8,28
